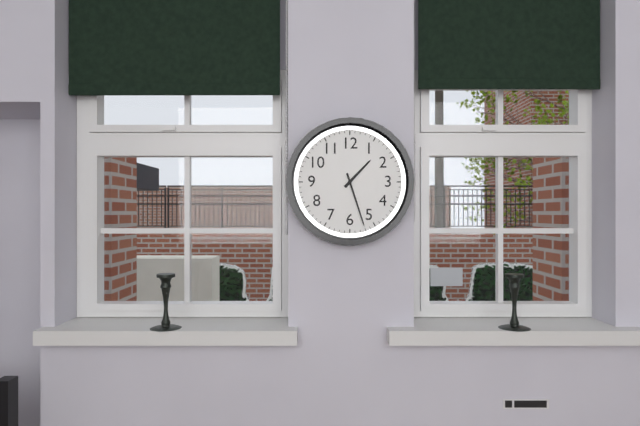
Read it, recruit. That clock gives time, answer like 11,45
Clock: 1,27
